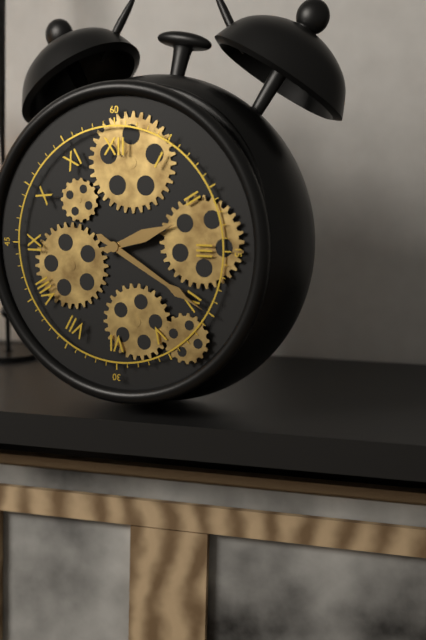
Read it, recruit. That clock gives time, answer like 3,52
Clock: 2,20
